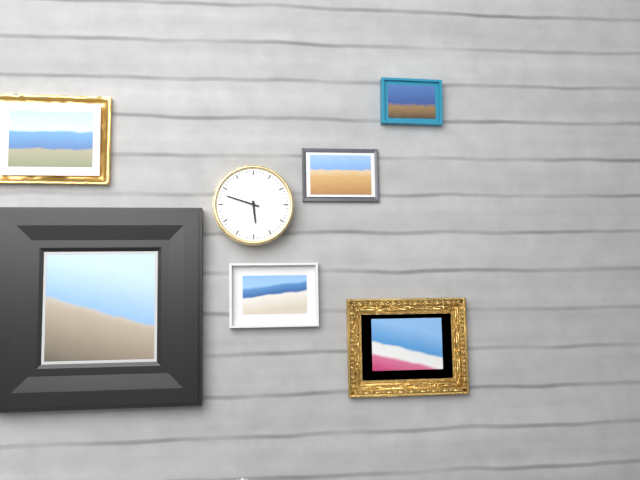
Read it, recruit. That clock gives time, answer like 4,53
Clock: 5,48
